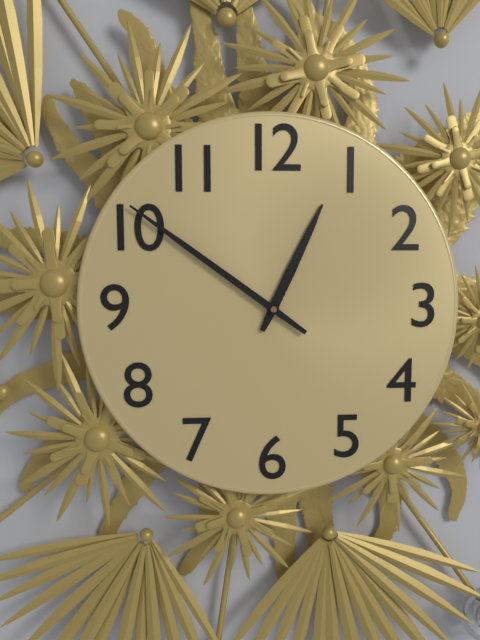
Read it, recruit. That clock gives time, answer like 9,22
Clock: 12,51
